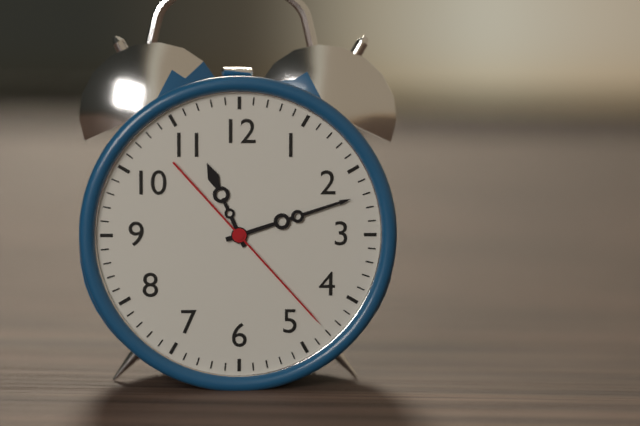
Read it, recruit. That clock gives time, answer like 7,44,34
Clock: 11,12,23
